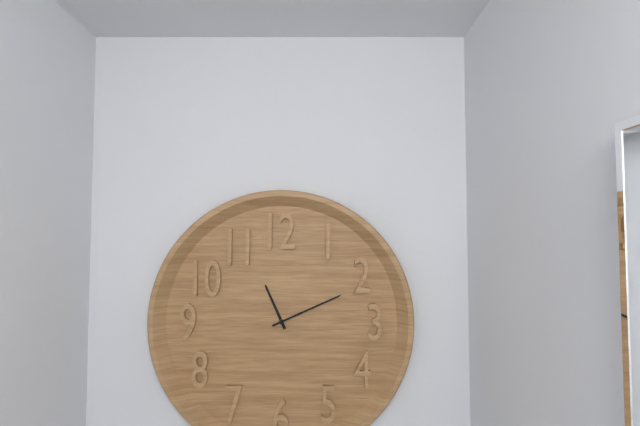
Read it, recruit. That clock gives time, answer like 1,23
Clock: 11,11
